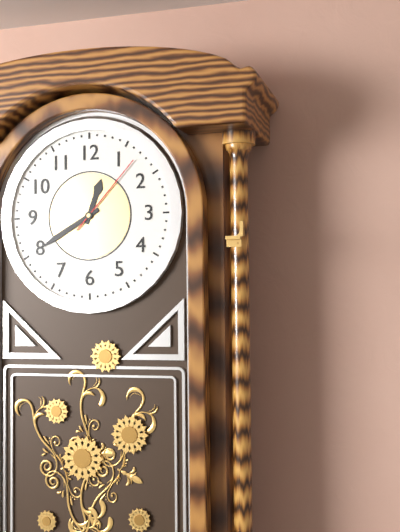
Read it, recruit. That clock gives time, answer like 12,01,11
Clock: 12,40,07
